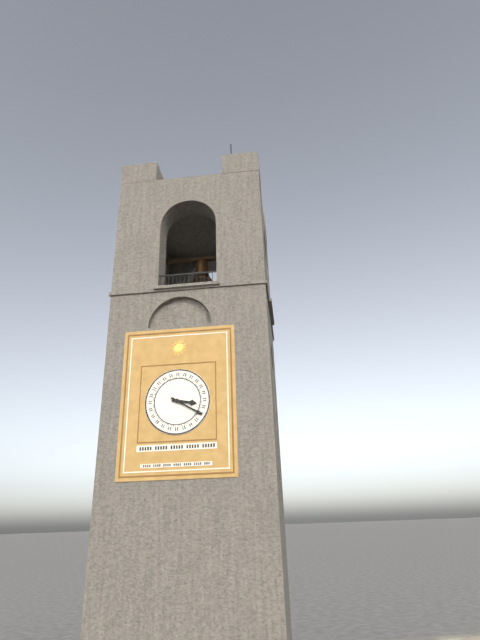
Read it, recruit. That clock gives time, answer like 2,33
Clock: 3,20
